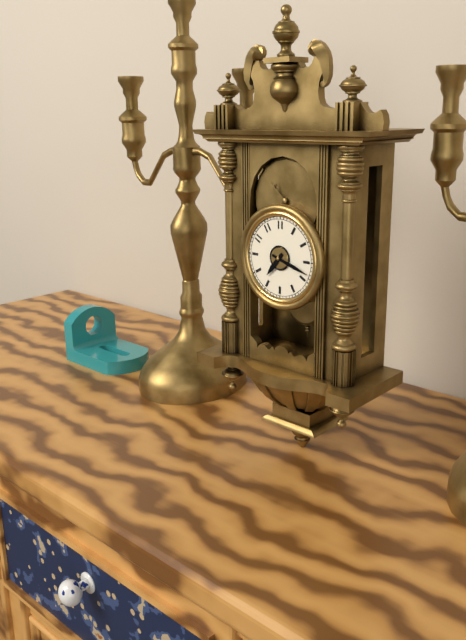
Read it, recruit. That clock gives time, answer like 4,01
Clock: 7,18
